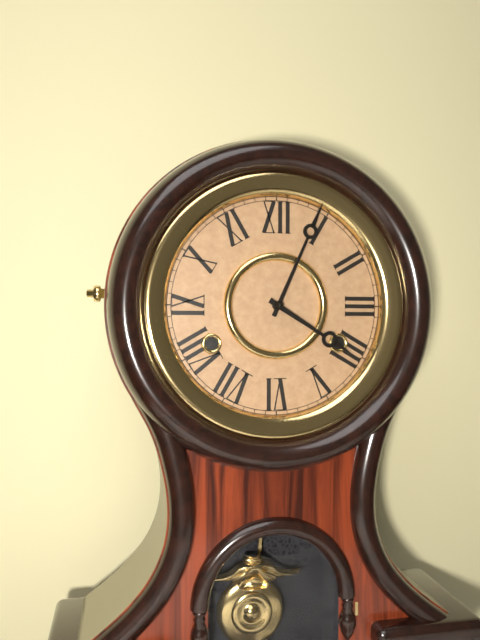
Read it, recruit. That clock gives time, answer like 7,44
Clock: 4,04
